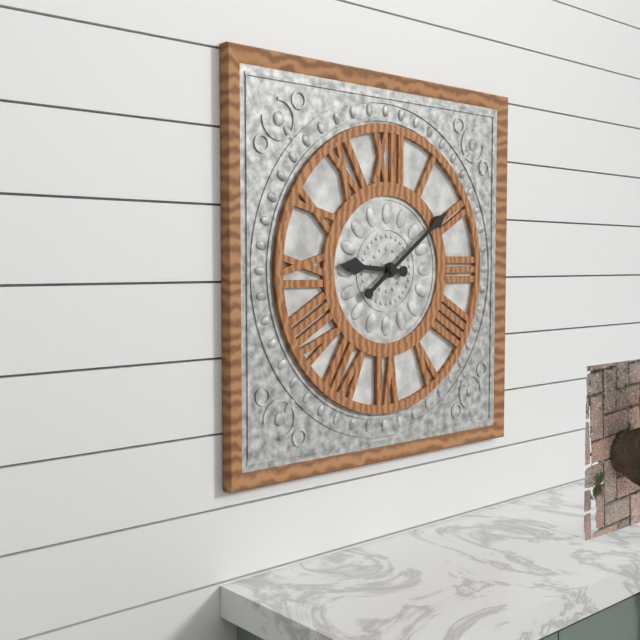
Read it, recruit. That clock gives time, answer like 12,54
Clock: 9,09
